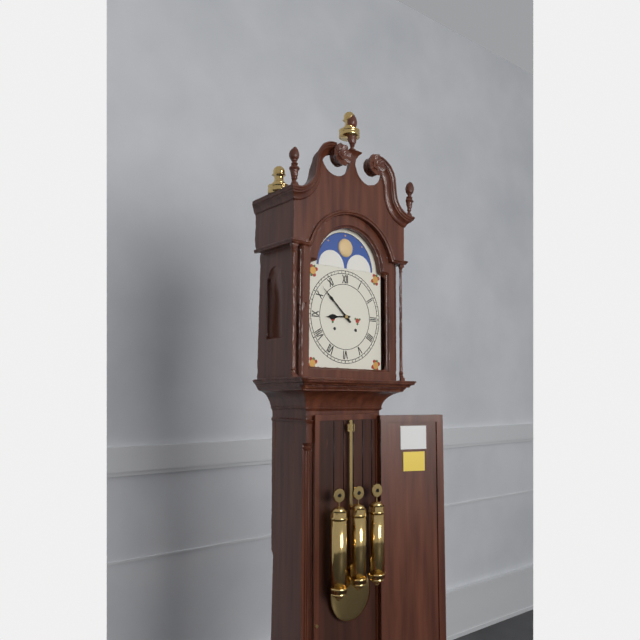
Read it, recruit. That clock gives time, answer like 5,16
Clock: 8,52
